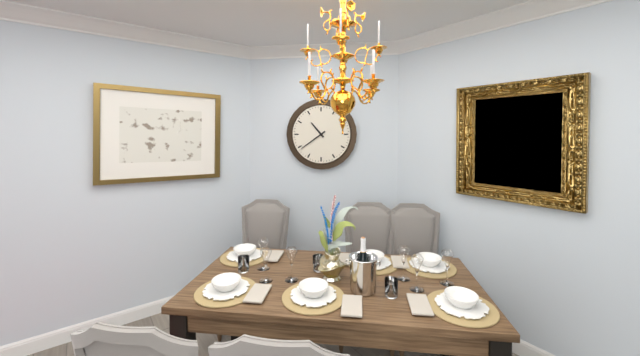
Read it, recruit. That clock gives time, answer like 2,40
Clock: 10,39
